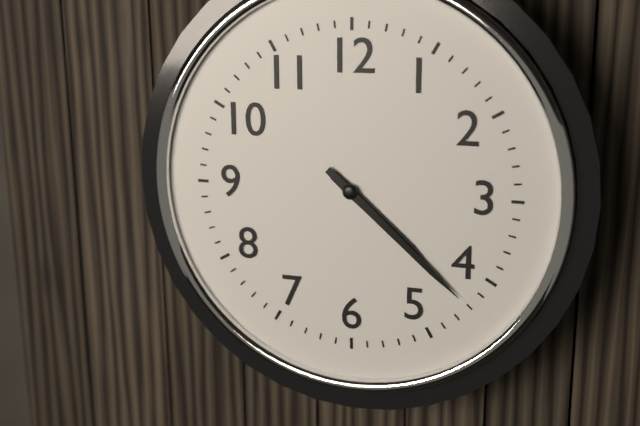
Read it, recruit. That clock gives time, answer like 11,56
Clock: 4,22
